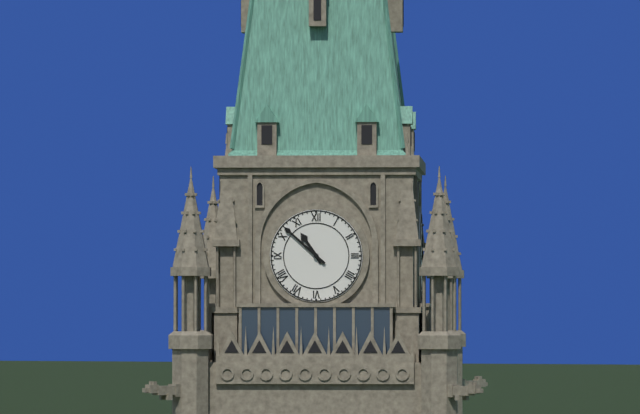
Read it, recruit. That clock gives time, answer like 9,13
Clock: 10,52
